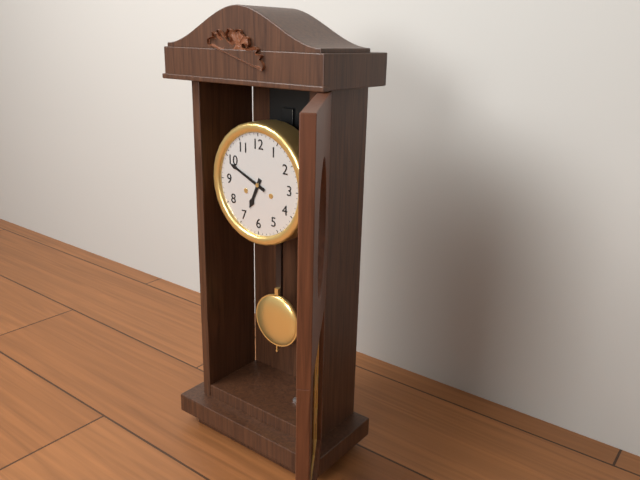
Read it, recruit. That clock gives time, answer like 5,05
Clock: 6,49
